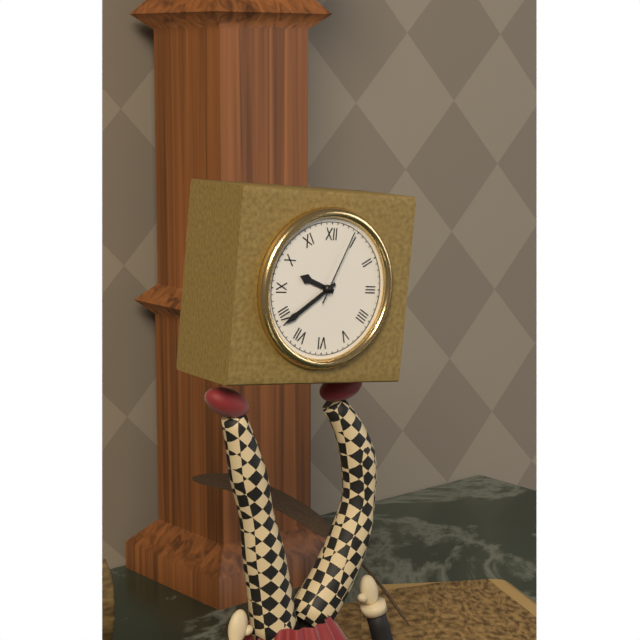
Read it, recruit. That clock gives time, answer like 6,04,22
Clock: 9,39,04
